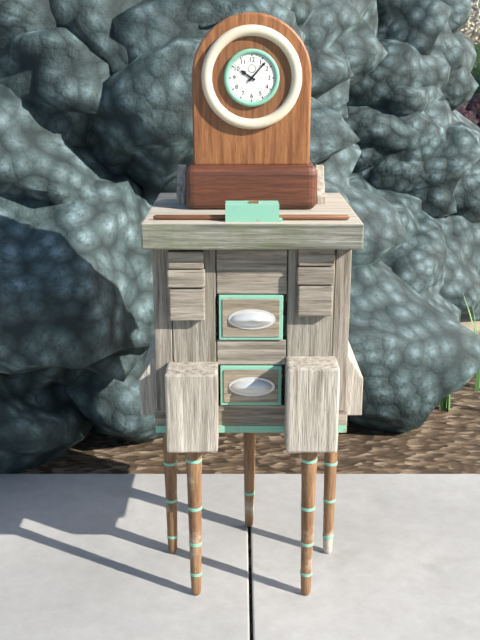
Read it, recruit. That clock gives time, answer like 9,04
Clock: 10,07
